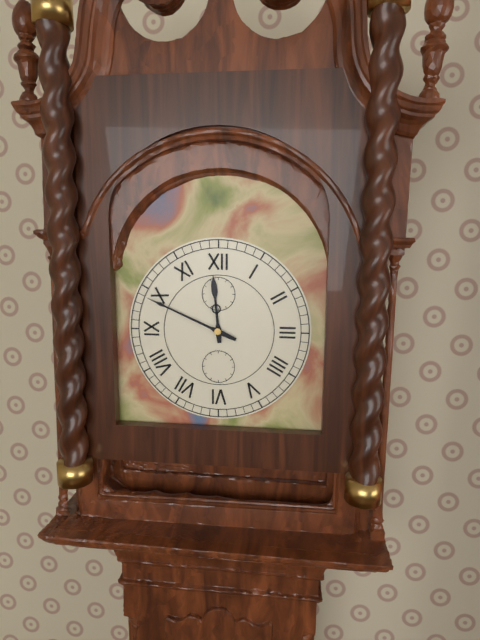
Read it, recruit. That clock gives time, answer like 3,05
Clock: 11,49
